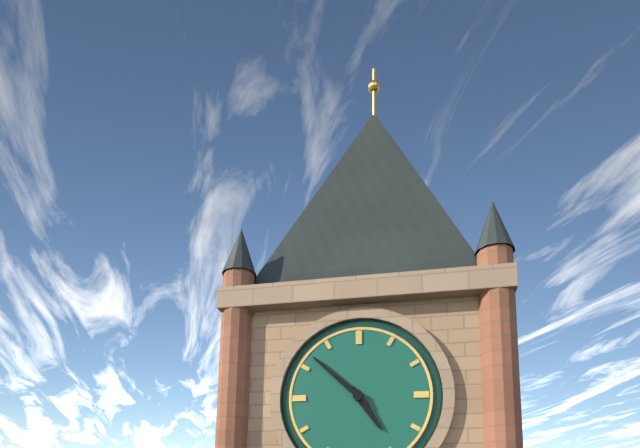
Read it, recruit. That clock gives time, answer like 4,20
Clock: 4,52
